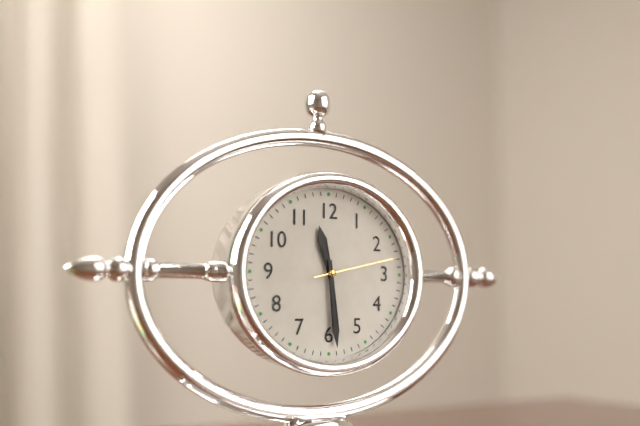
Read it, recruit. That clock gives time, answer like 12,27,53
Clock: 11,29,13
